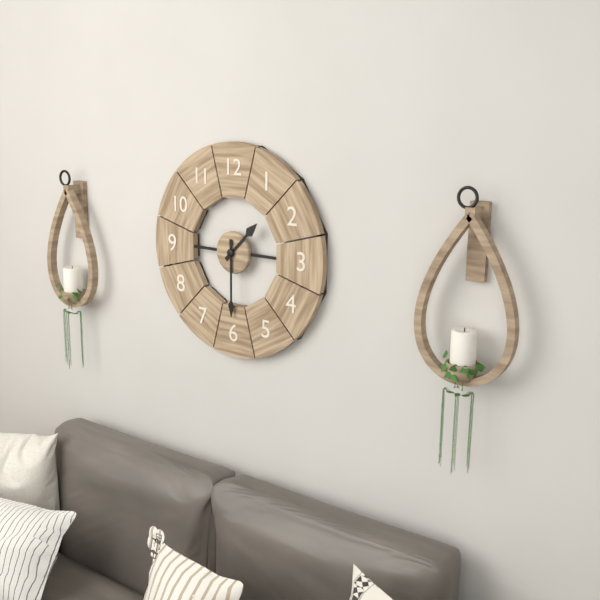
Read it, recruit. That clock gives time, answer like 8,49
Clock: 1,30
